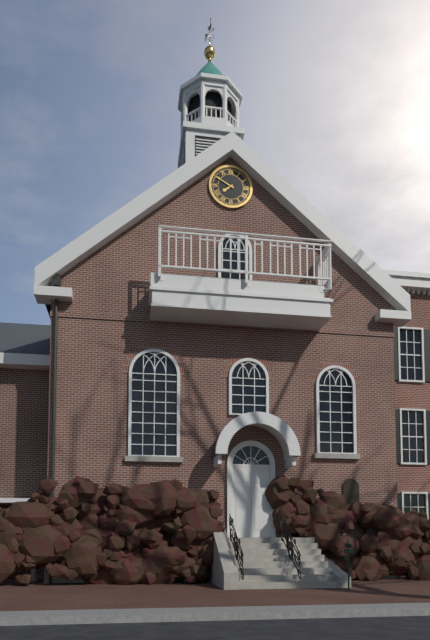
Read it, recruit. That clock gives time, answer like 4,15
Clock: 7,50
